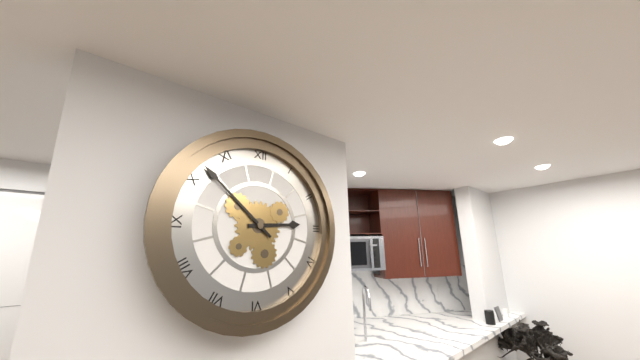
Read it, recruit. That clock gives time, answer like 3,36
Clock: 2,52
